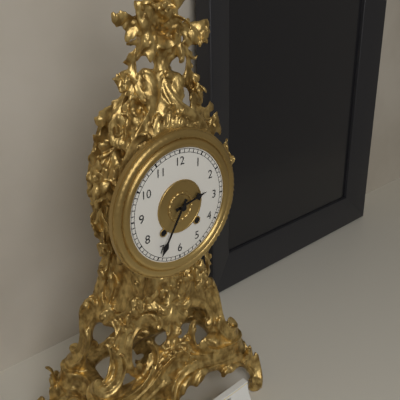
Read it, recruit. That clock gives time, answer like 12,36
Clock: 2,35
